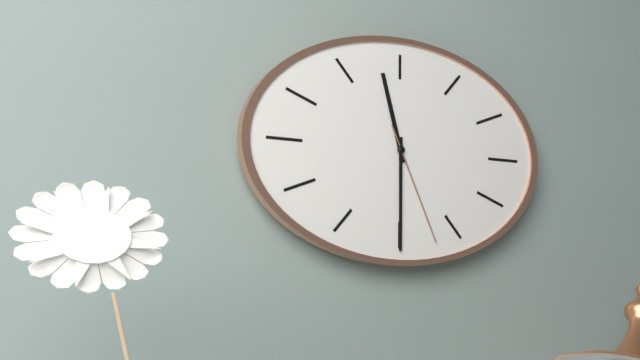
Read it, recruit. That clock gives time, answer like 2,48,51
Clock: 11,30,26
